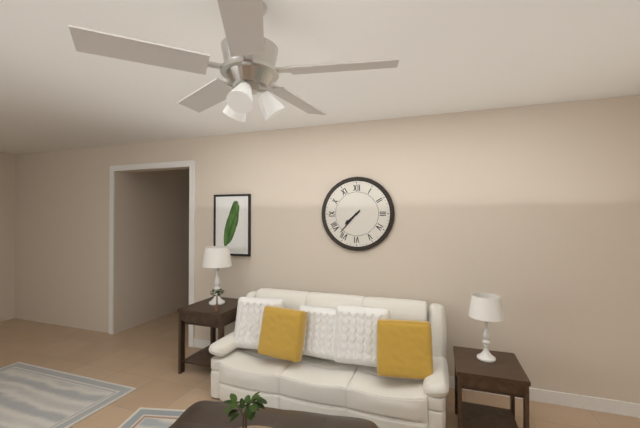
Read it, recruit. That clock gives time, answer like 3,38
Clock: 7,37
